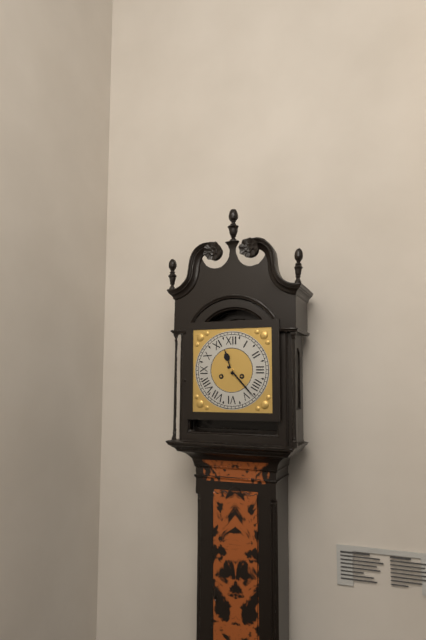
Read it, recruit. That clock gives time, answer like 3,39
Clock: 11,23
